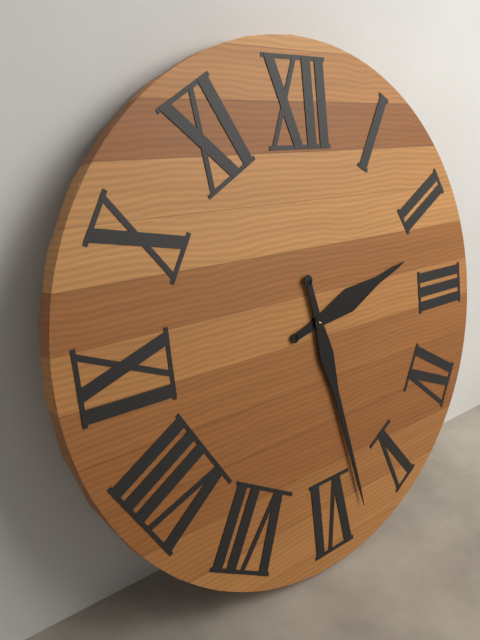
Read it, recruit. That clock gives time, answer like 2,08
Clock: 2,28
